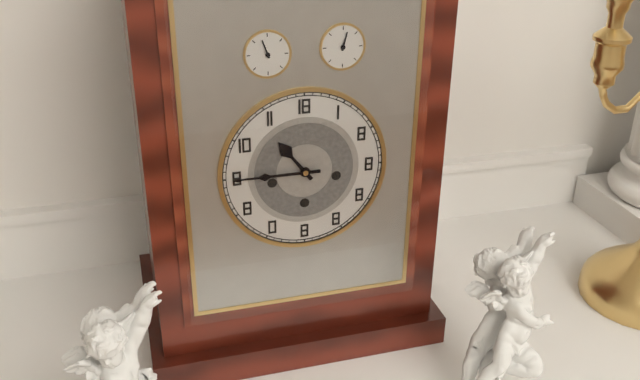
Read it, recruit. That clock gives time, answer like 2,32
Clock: 10,45
